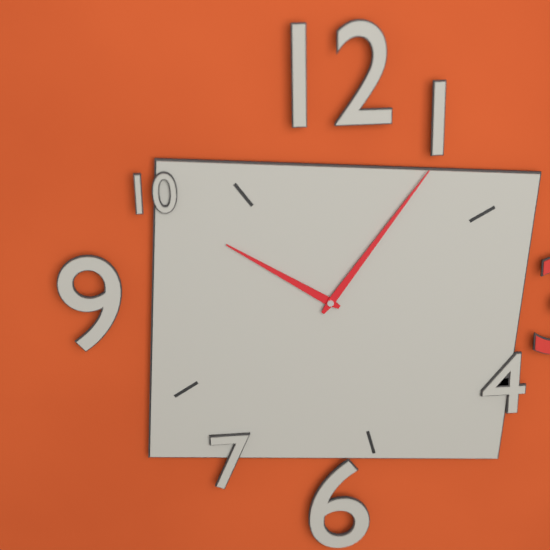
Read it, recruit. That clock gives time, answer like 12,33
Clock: 10,06
